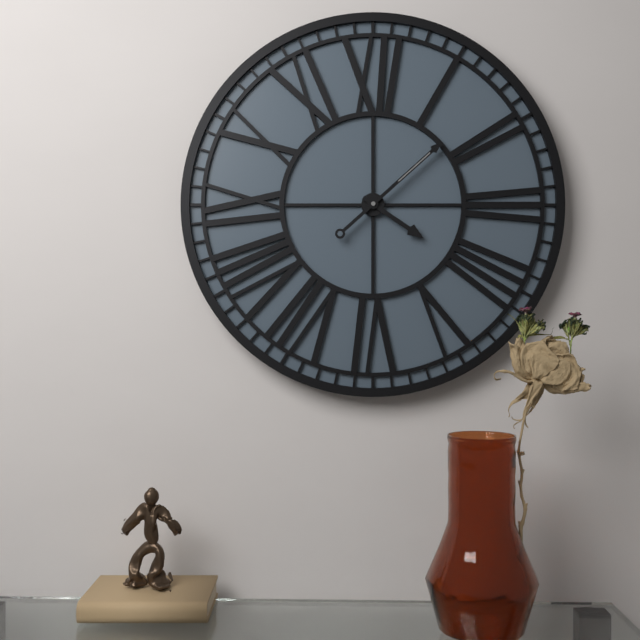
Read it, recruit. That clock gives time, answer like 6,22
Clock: 4,08
